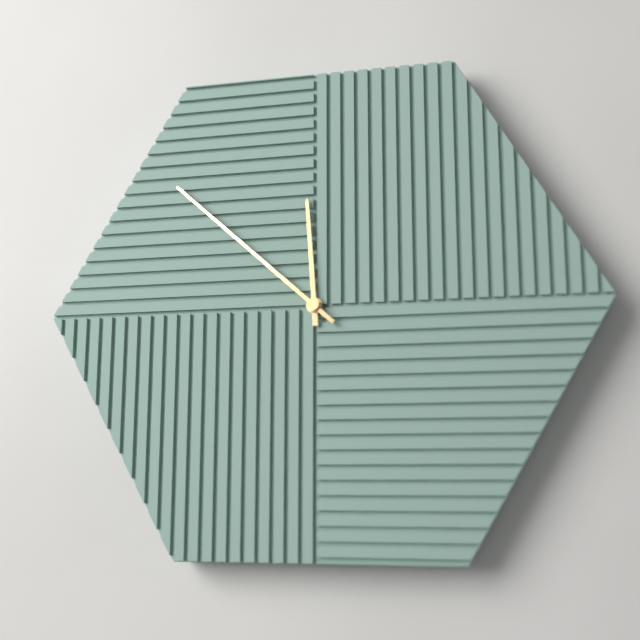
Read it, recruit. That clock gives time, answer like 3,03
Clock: 11,52
